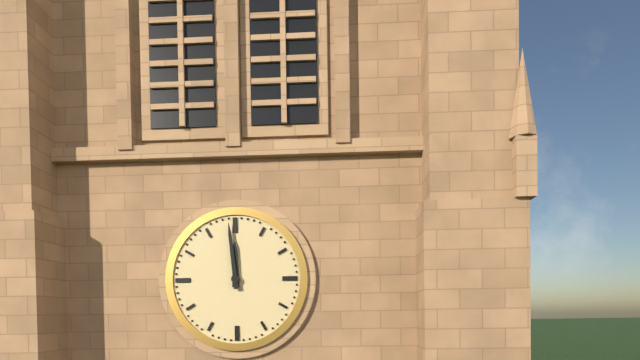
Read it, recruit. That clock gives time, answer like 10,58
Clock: 11,59
